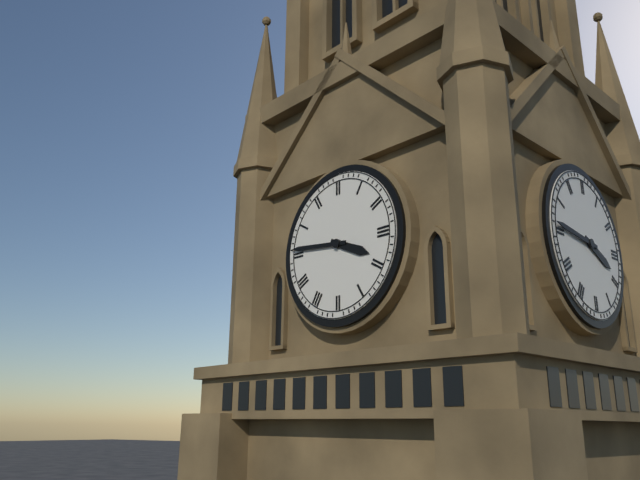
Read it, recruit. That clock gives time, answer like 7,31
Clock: 3,46
